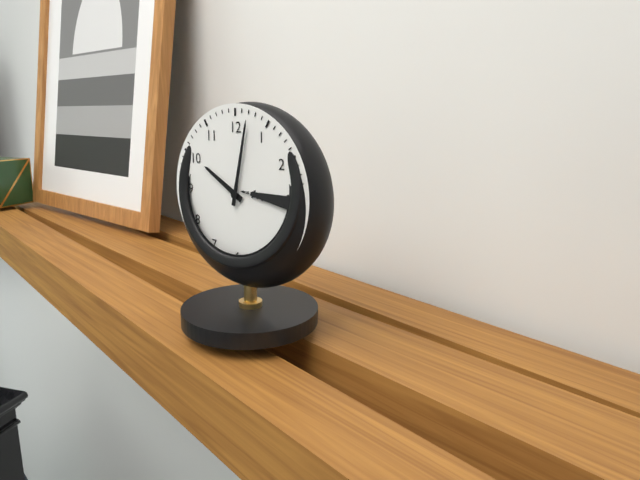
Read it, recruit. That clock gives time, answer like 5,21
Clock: 10,02
